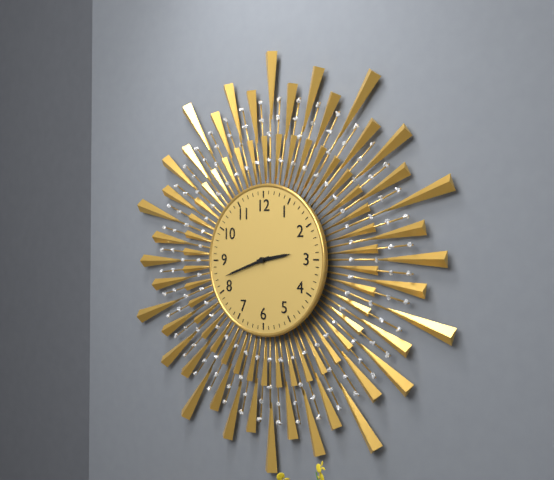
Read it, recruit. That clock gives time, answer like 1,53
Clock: 2,42
